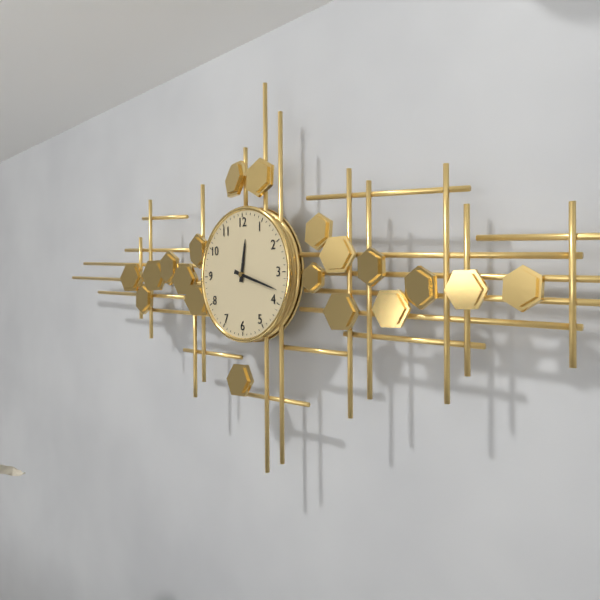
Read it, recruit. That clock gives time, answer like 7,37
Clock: 12,18
